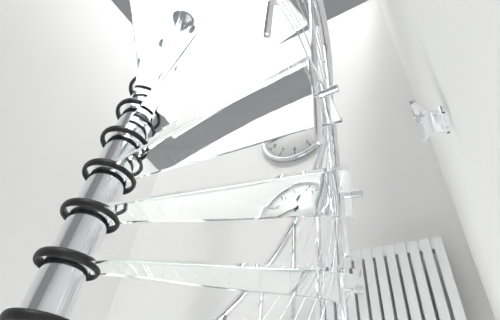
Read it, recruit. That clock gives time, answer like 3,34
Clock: 12,43
